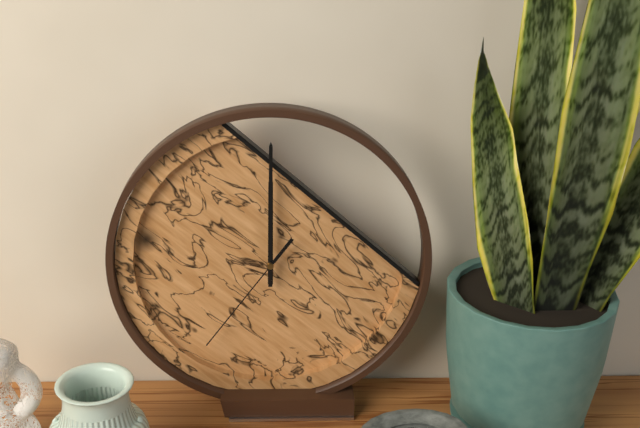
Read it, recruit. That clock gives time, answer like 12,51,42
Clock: 12,00,36
